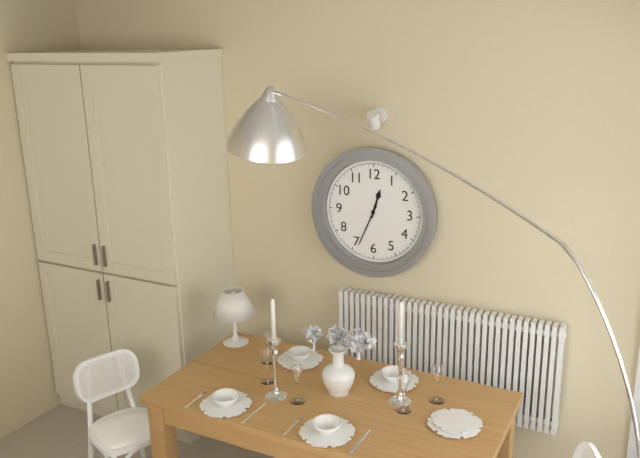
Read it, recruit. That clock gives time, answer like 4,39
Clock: 12,34
